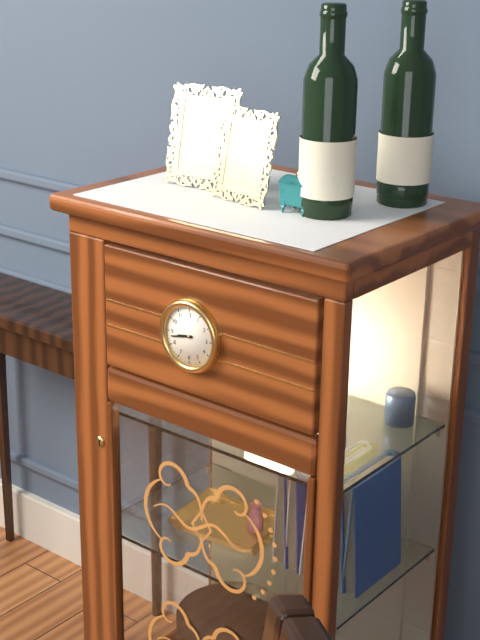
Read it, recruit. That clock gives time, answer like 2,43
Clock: 8,43
